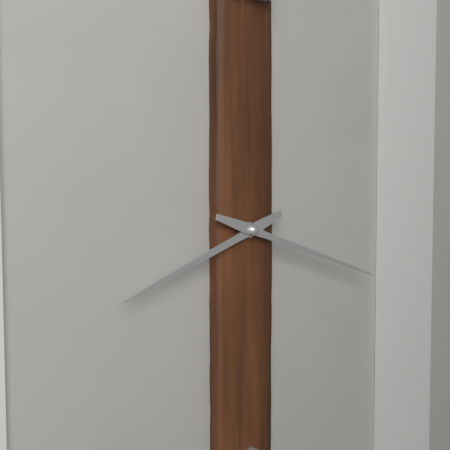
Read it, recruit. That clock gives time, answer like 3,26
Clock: 8,18
